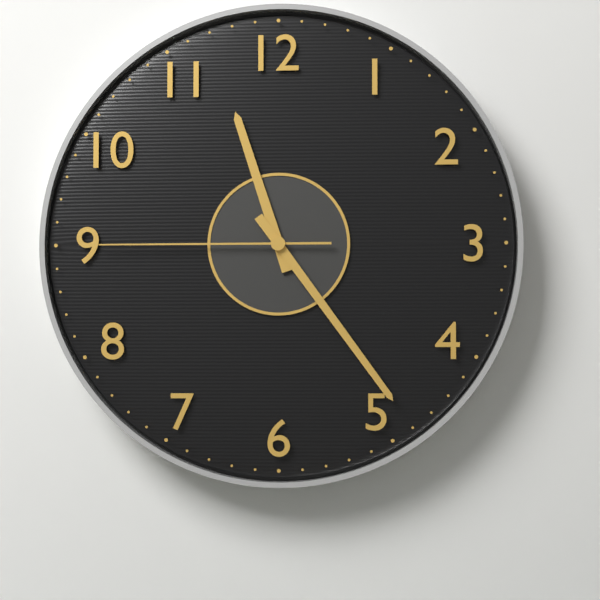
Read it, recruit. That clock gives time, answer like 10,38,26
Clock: 11,24,45
